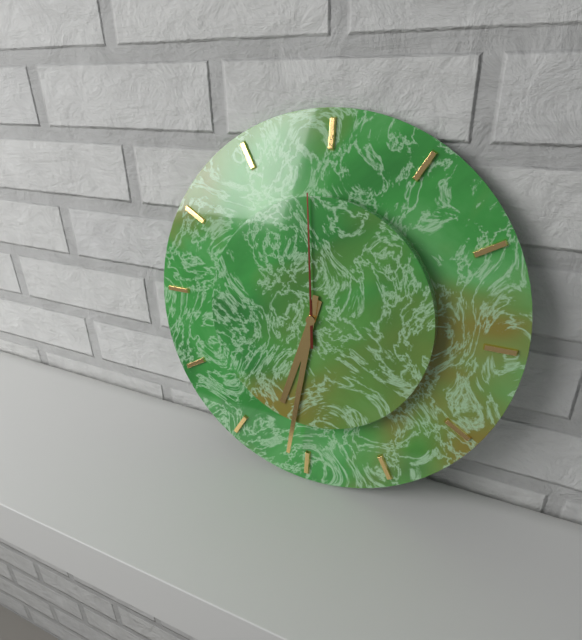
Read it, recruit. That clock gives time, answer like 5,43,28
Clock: 6,31,59
